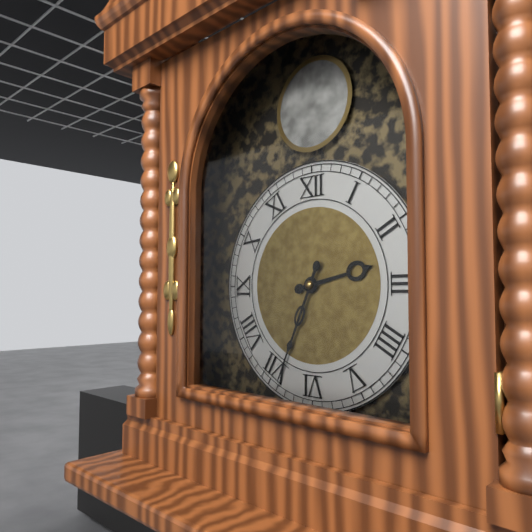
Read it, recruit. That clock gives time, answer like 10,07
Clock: 2,34
